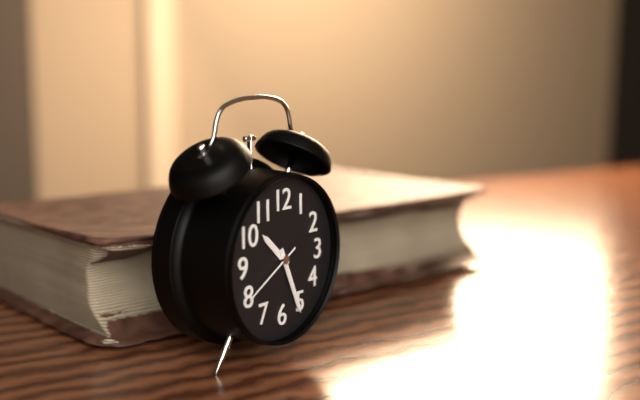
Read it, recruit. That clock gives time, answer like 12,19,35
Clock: 10,26,40
